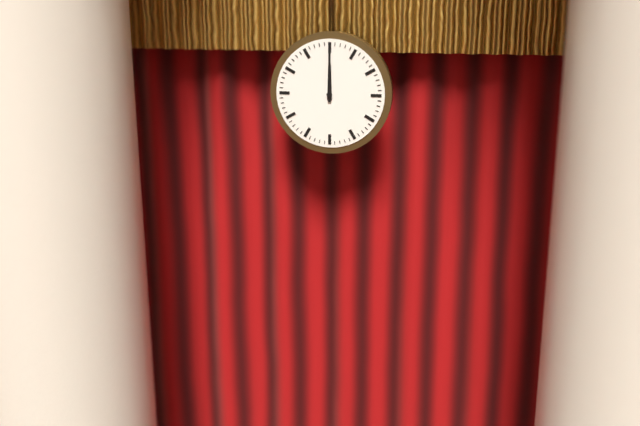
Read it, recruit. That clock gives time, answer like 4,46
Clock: 12,00
